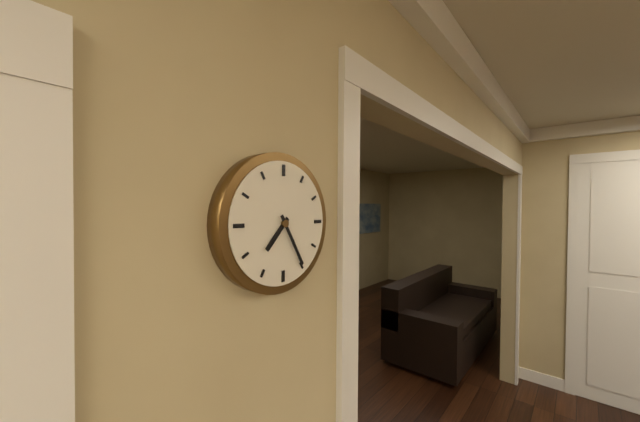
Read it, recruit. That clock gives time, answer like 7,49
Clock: 7,25
